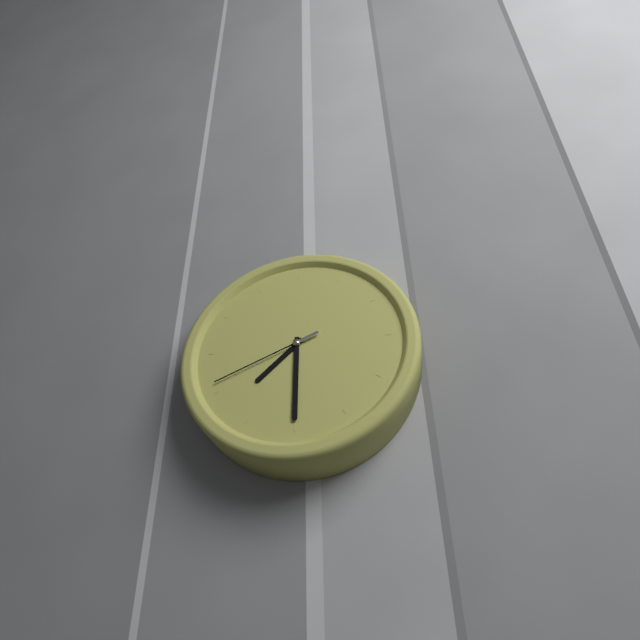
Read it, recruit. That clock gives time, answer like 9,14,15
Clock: 7,30,41
